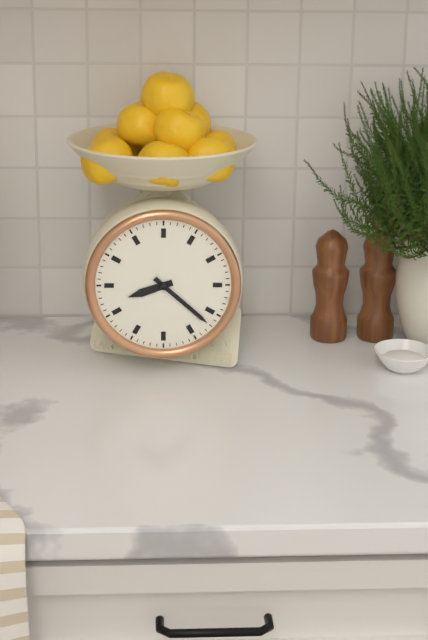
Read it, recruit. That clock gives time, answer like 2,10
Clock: 8,22
